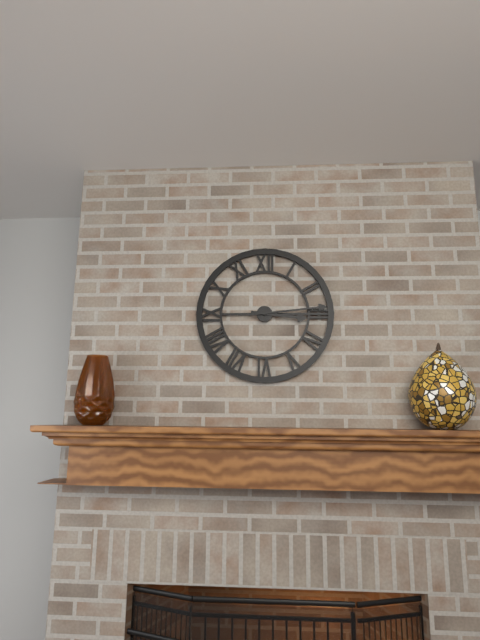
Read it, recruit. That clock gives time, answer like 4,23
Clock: 3,14
